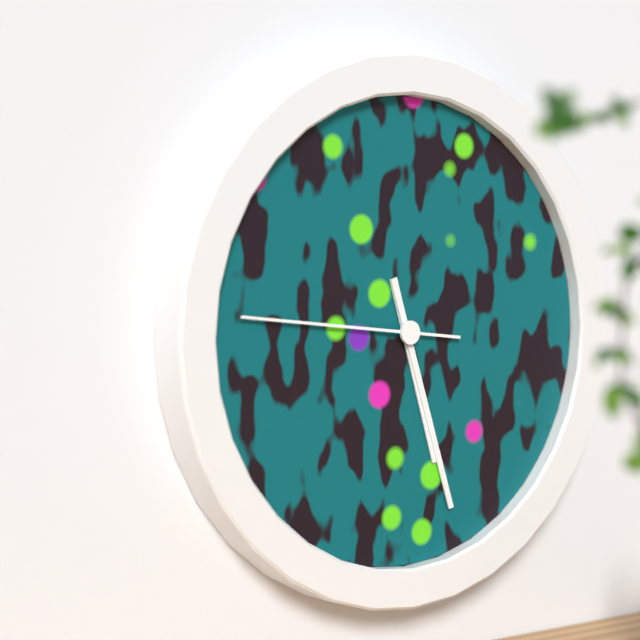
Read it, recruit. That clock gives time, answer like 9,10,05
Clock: 5,27,46
